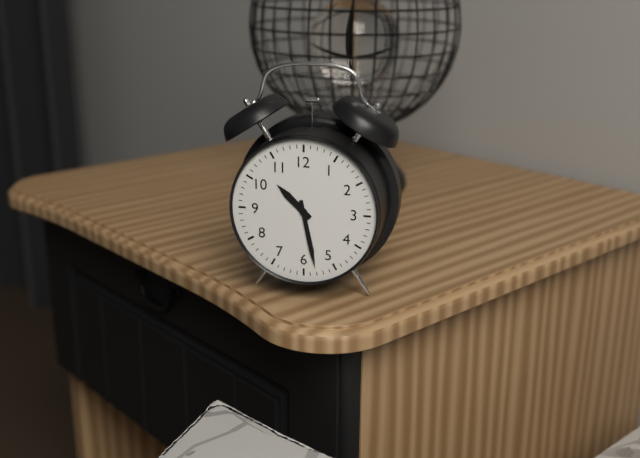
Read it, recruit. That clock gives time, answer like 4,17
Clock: 10,28
